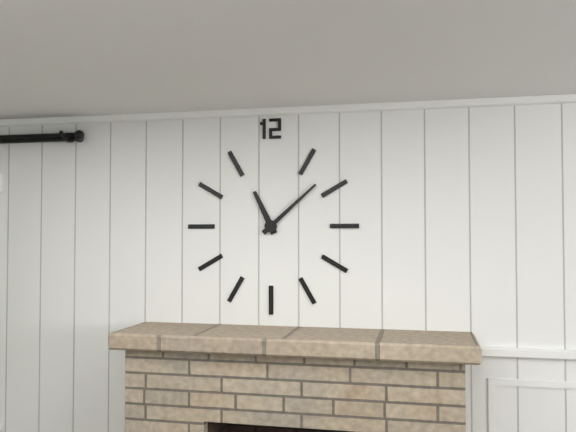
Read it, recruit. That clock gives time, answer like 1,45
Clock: 11,08
